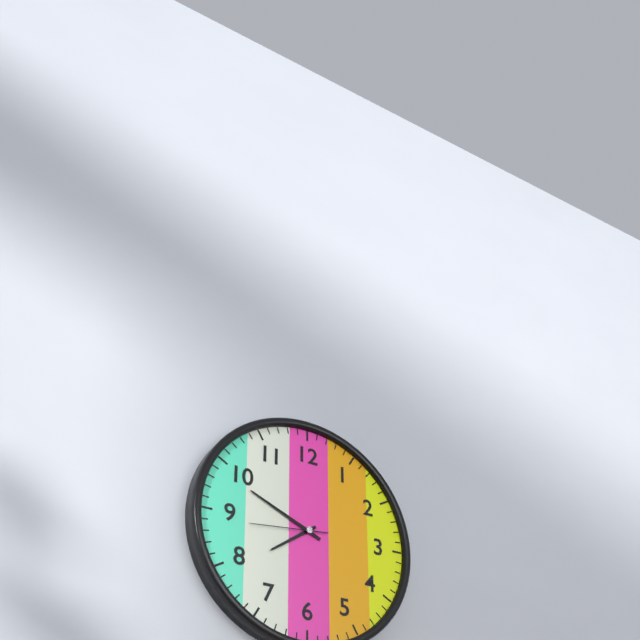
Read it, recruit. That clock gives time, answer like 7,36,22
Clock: 7,49,44
